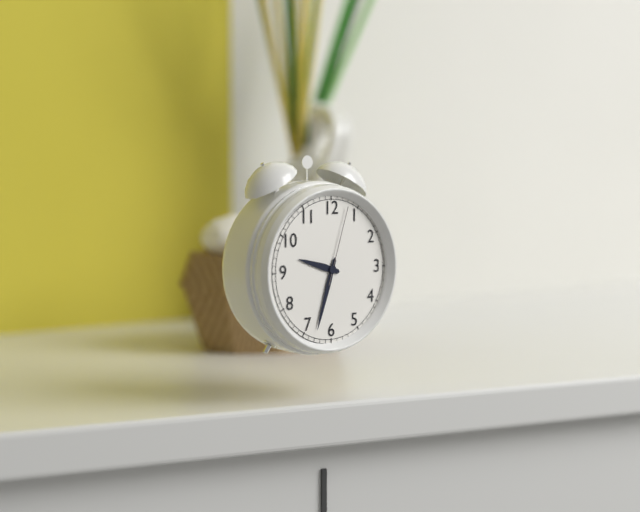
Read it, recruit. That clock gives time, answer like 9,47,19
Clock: 9,33,03
